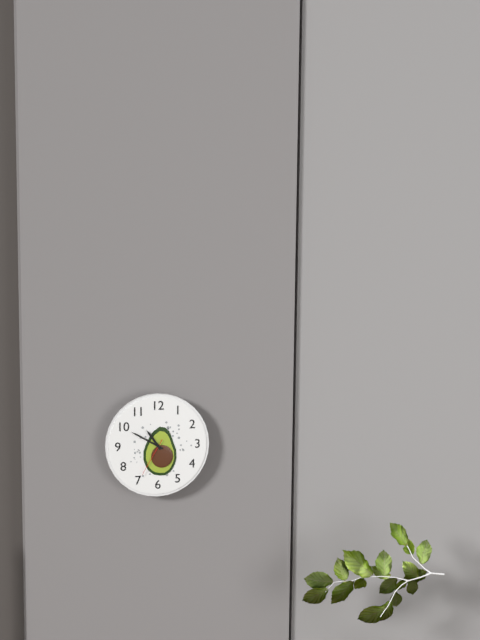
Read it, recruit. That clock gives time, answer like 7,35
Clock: 10,50
